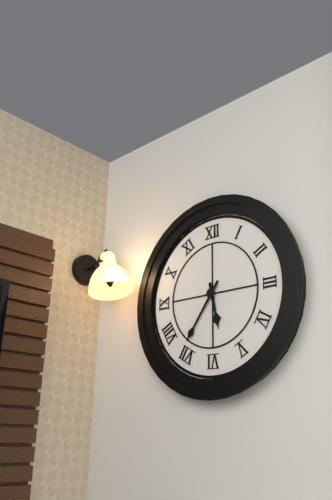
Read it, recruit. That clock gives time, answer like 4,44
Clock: 5,36
